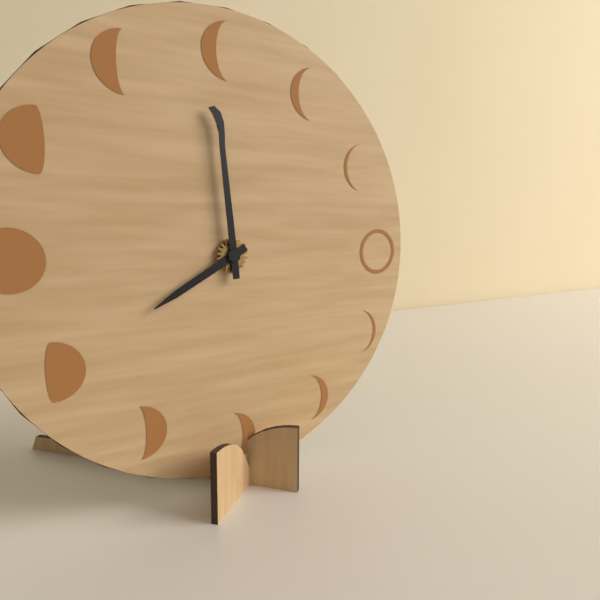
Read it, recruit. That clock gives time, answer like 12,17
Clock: 7,59
